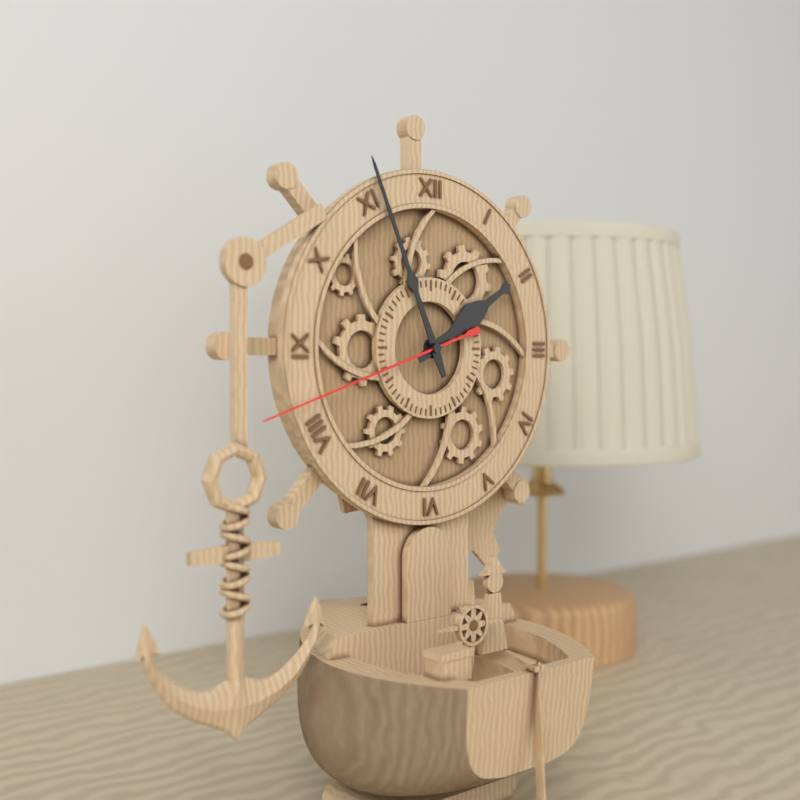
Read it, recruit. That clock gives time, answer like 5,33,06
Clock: 1,56,42
